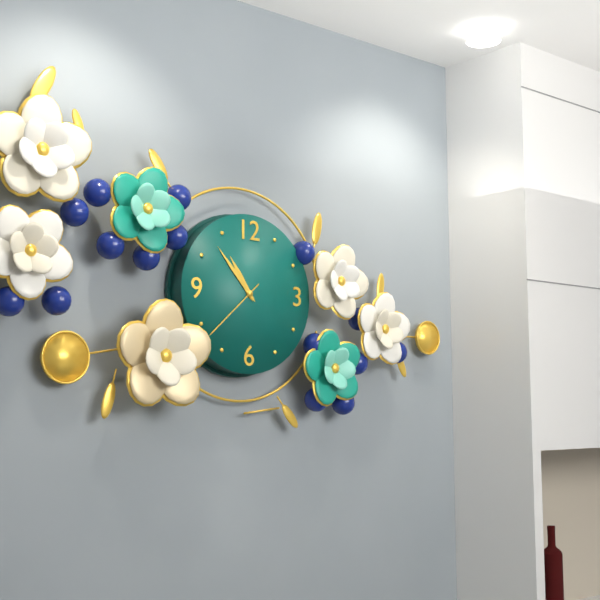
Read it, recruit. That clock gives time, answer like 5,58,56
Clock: 10,53,38
